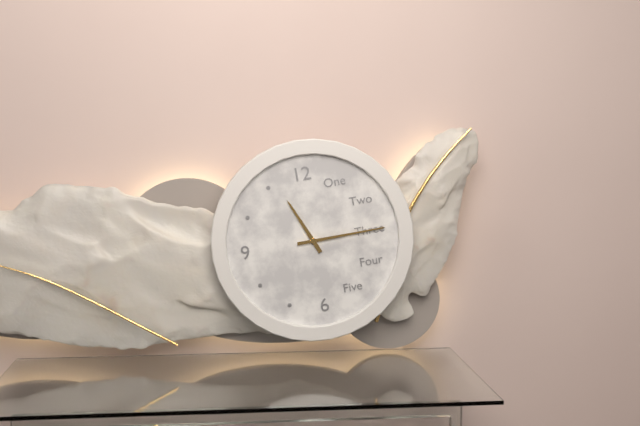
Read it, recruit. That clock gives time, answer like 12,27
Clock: 11,15
